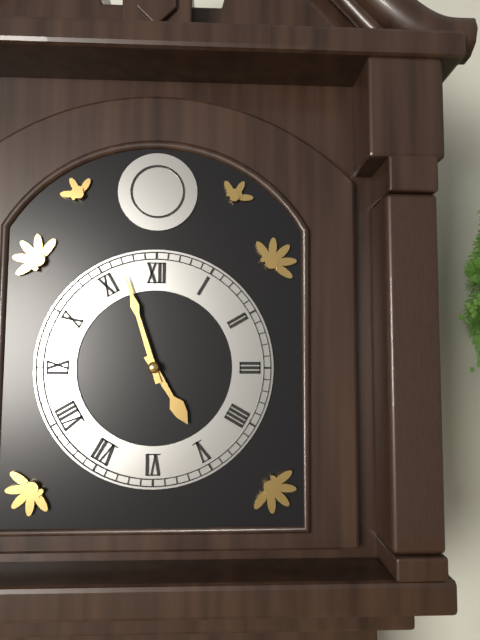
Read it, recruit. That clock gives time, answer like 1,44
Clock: 4,57
